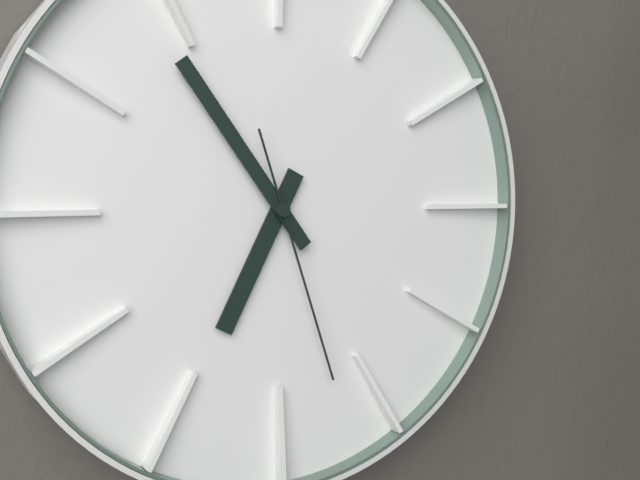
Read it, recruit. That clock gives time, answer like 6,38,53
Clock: 6,54,27
